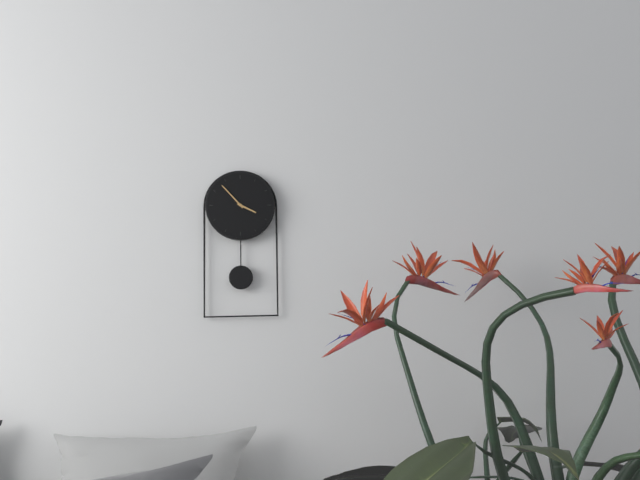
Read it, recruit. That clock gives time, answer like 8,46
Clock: 3,53
